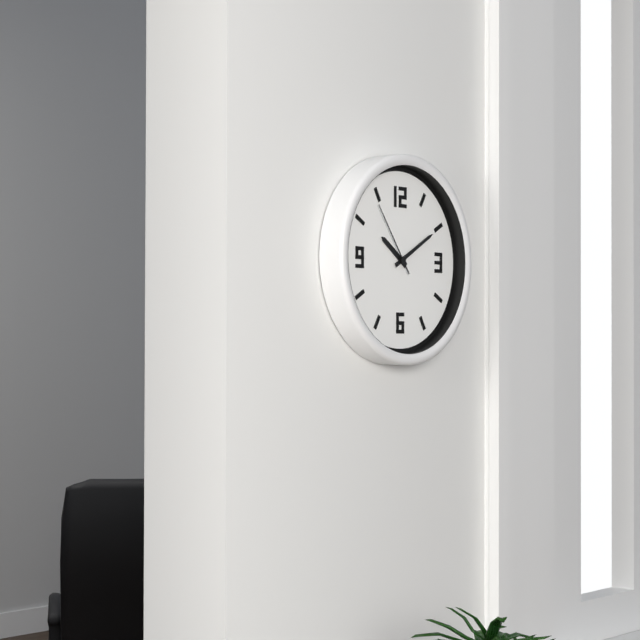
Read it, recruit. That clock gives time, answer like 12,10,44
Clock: 10,10,54
